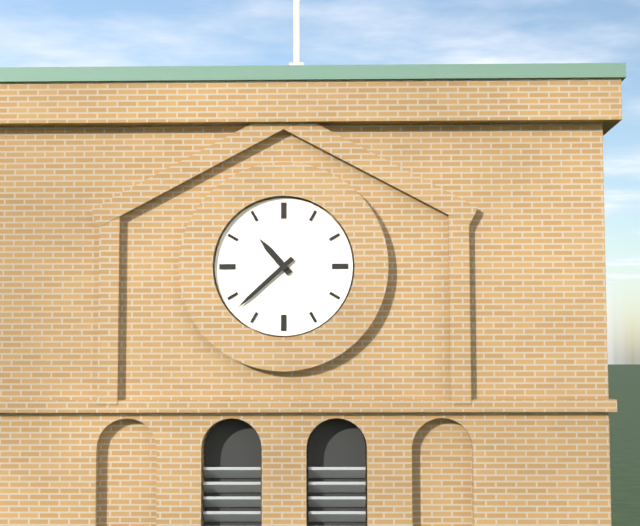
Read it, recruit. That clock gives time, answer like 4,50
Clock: 10,38
